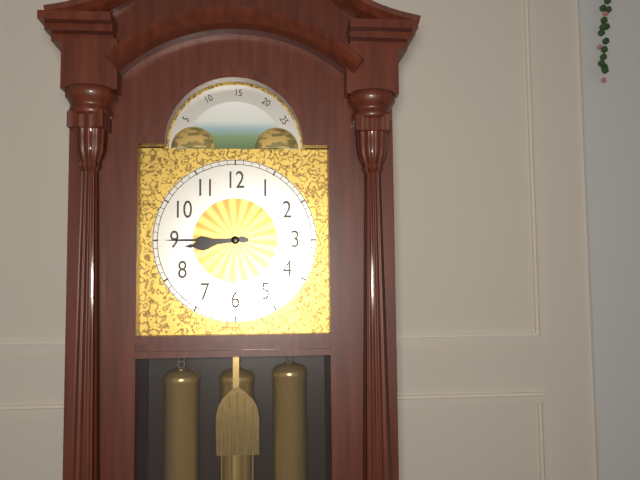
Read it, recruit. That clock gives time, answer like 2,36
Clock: 8,45
